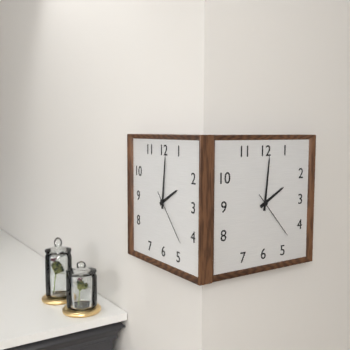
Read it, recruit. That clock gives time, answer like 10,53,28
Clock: 2,01,23
